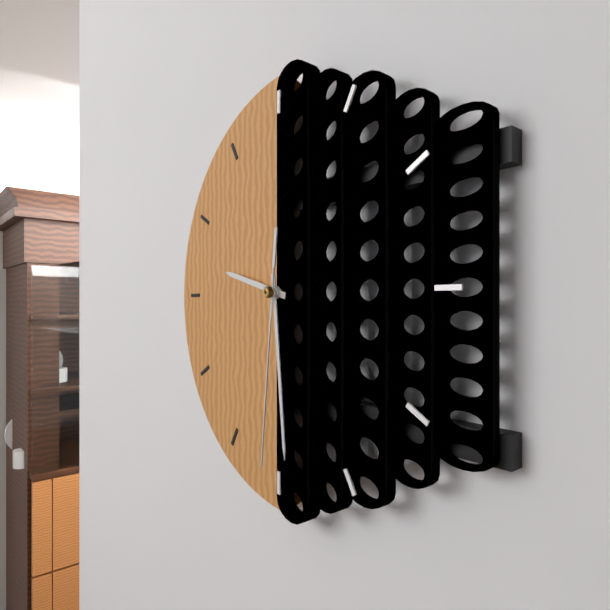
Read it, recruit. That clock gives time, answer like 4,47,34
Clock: 9,29,31
